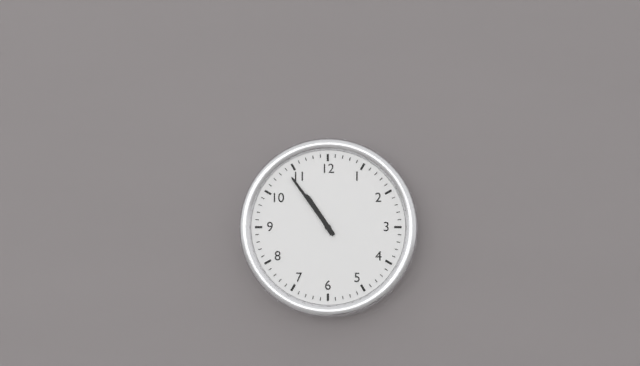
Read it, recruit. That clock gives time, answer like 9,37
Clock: 10,54
